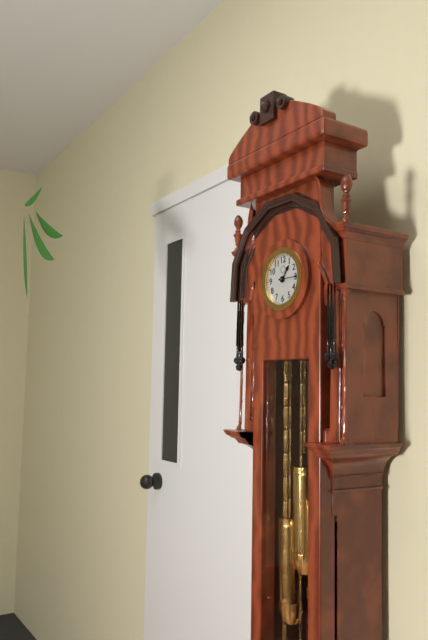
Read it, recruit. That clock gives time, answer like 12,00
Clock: 1,15
